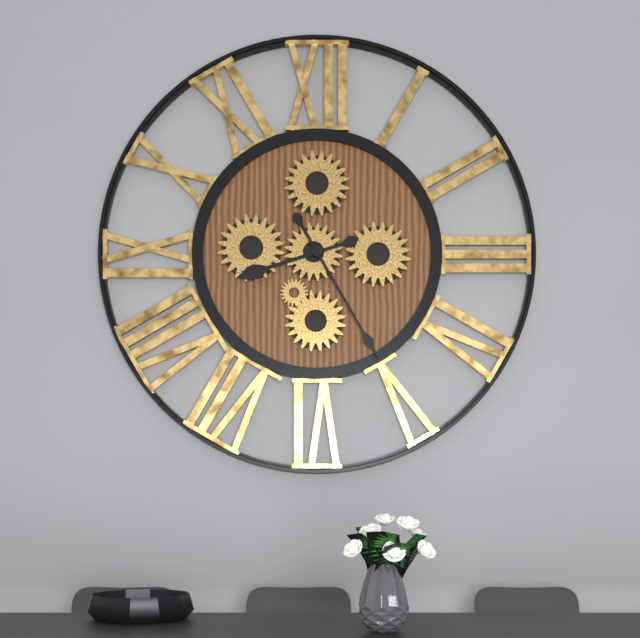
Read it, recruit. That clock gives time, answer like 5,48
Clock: 8,25
